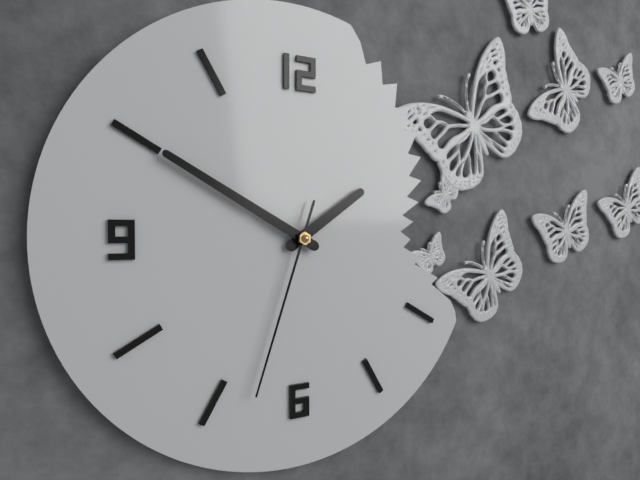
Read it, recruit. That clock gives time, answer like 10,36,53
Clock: 1,50,33
